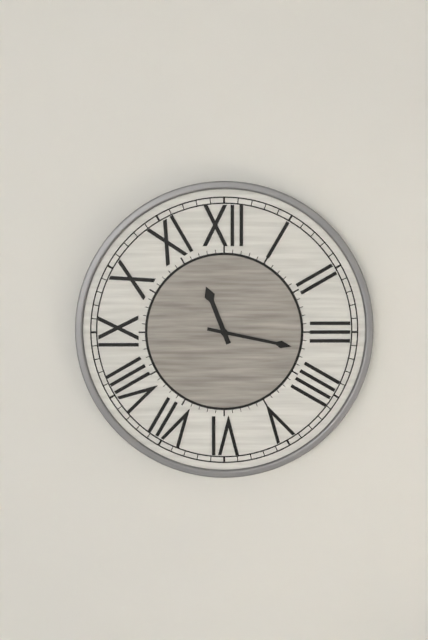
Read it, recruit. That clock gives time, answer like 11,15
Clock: 11,17
